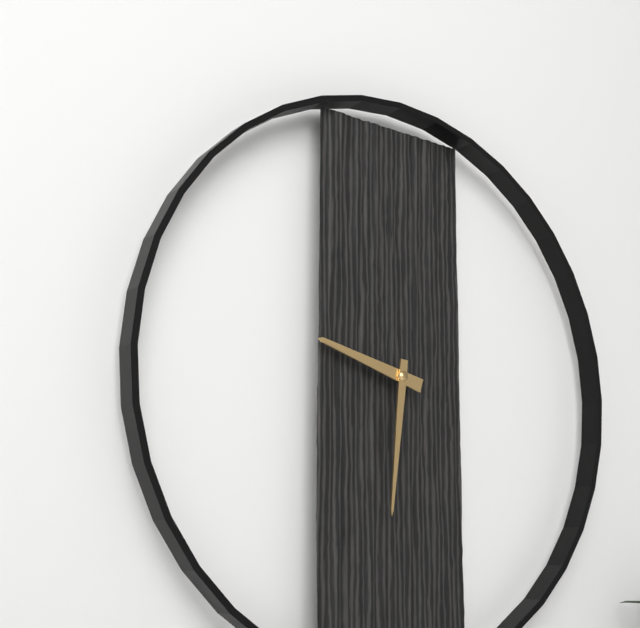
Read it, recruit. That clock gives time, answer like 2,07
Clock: 9,31
